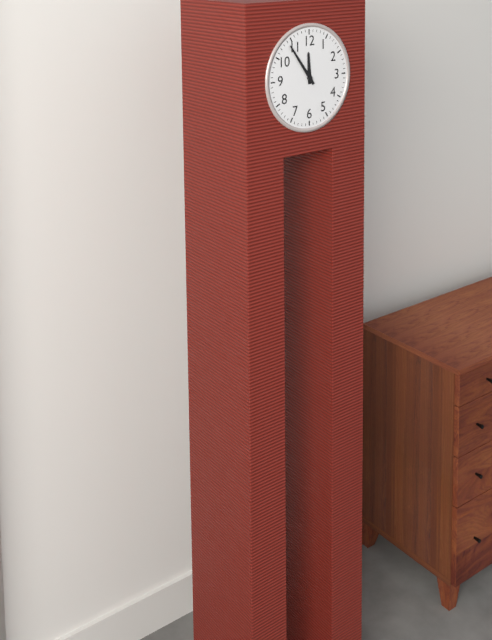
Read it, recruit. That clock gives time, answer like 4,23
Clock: 11,54
